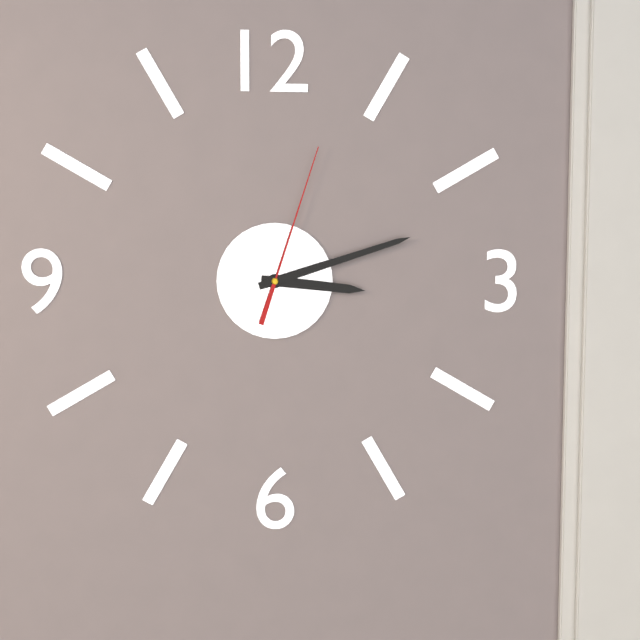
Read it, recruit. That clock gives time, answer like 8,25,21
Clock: 3,12,03
